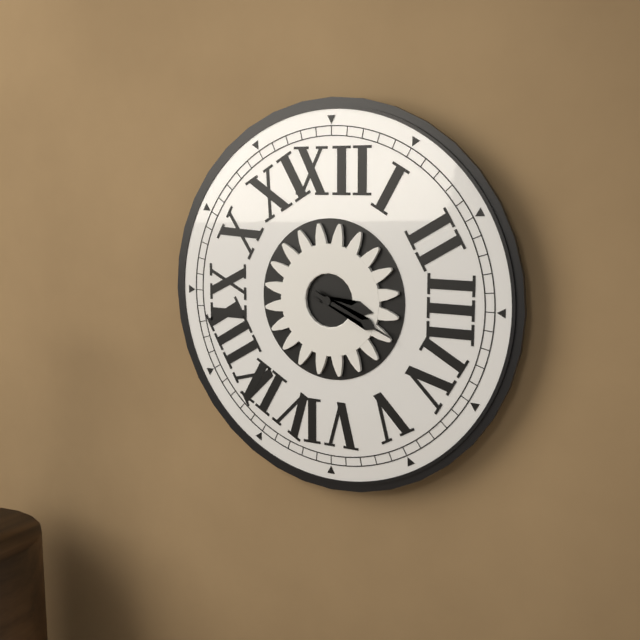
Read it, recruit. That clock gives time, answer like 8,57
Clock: 3,19
